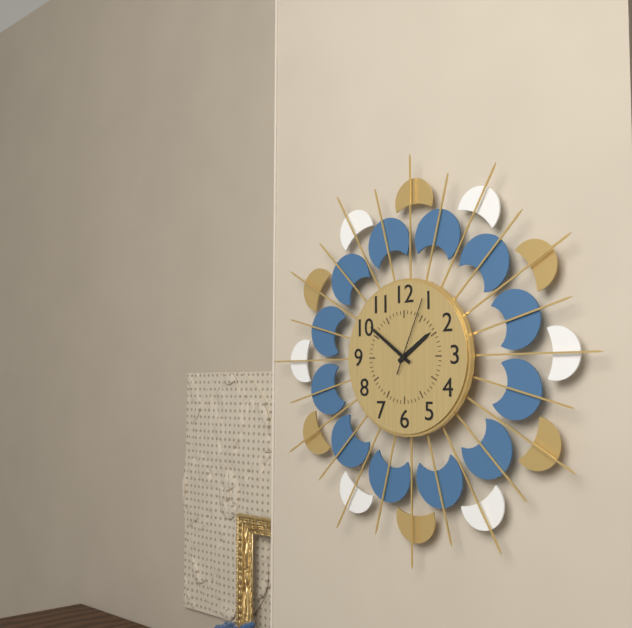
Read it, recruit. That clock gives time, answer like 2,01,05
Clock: 1,51,04
